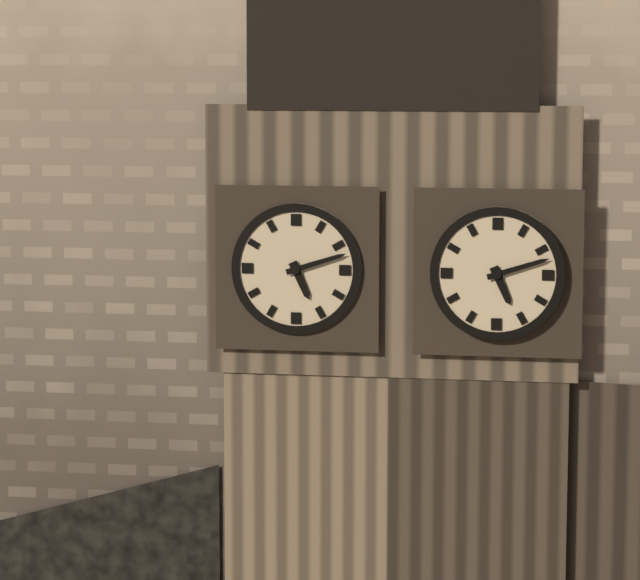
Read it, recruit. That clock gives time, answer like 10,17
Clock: 5,12
